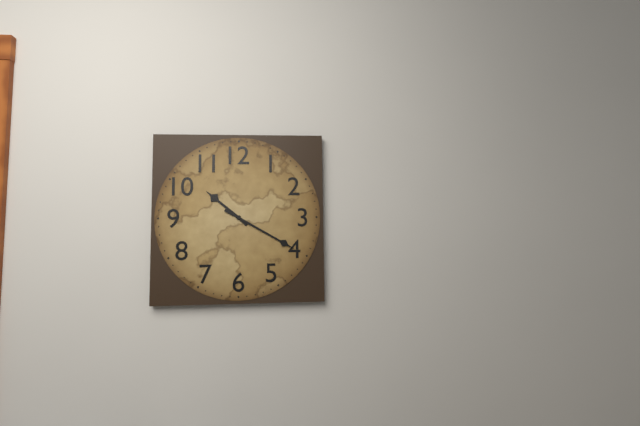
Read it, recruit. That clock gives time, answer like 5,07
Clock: 10,20
